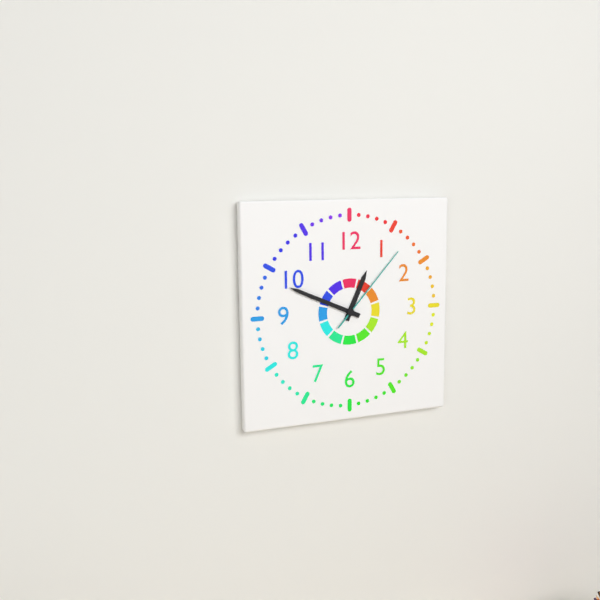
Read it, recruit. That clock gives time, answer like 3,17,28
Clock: 12,49,07
